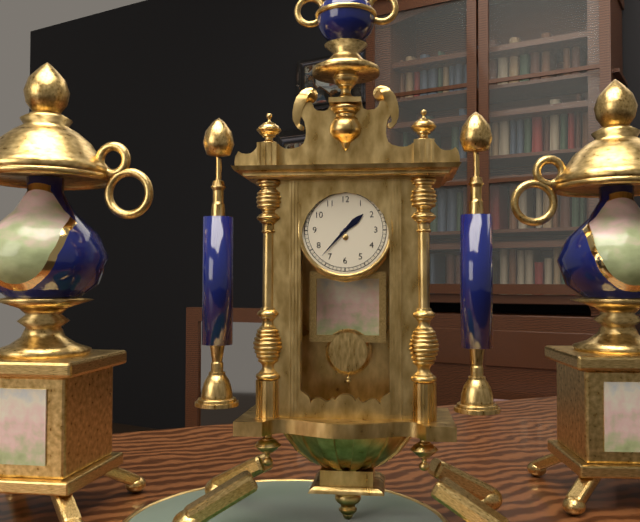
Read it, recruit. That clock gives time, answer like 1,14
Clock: 1,37
